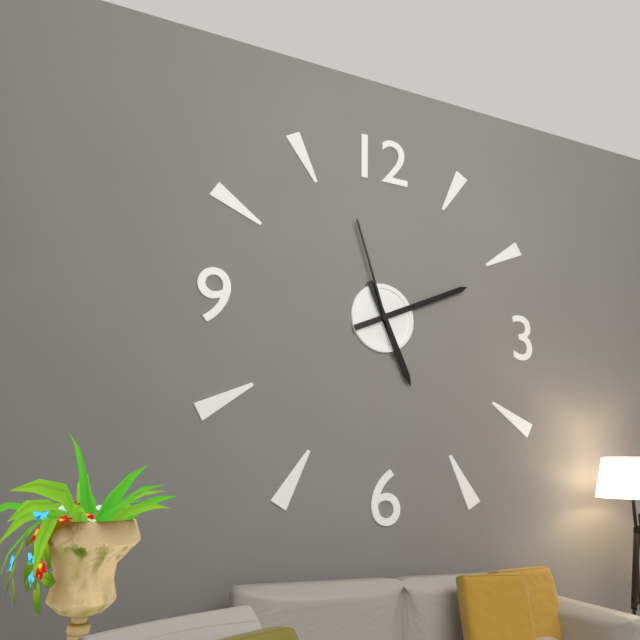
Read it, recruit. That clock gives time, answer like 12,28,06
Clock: 5,11,57
